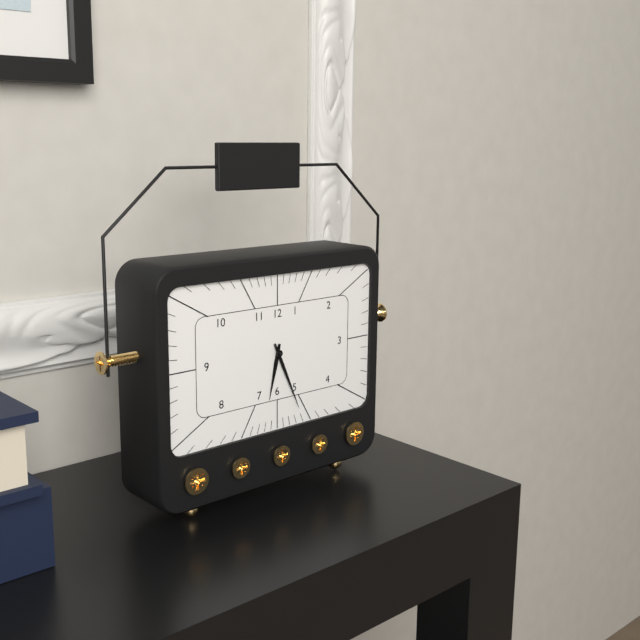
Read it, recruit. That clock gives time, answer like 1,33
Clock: 6,26
